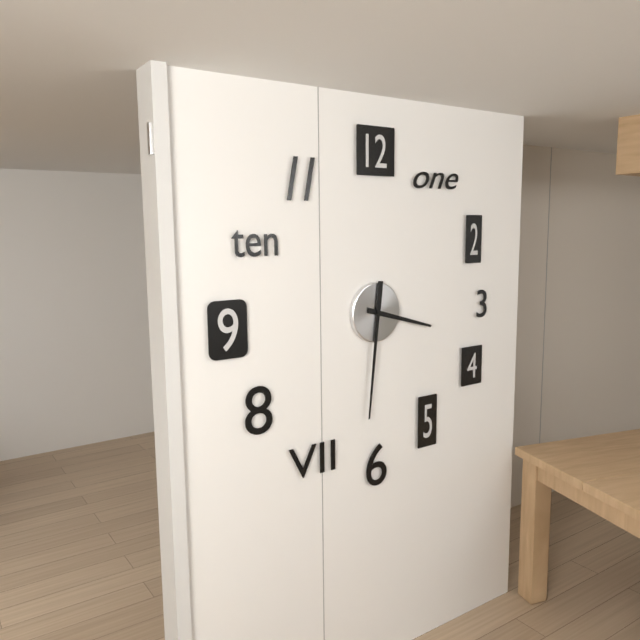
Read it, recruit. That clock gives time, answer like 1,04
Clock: 3,31
